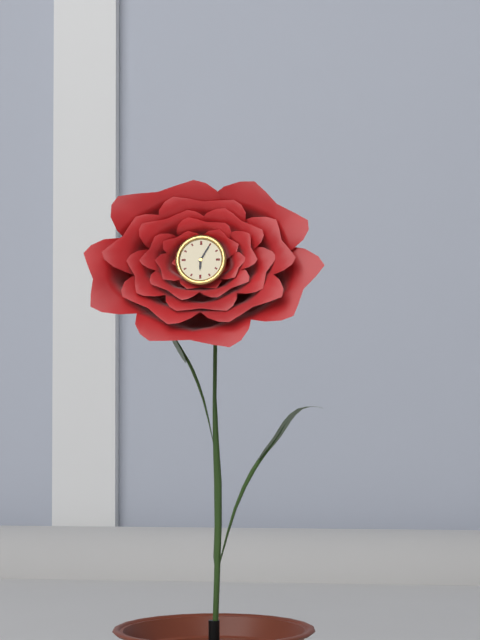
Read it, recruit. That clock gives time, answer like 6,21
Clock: 6,05
